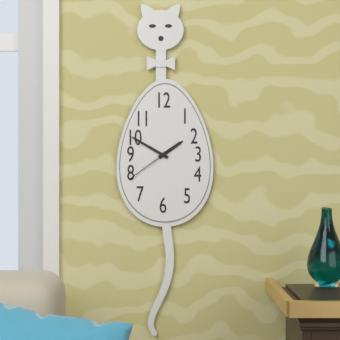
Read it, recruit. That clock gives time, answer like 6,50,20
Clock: 1,50,39
